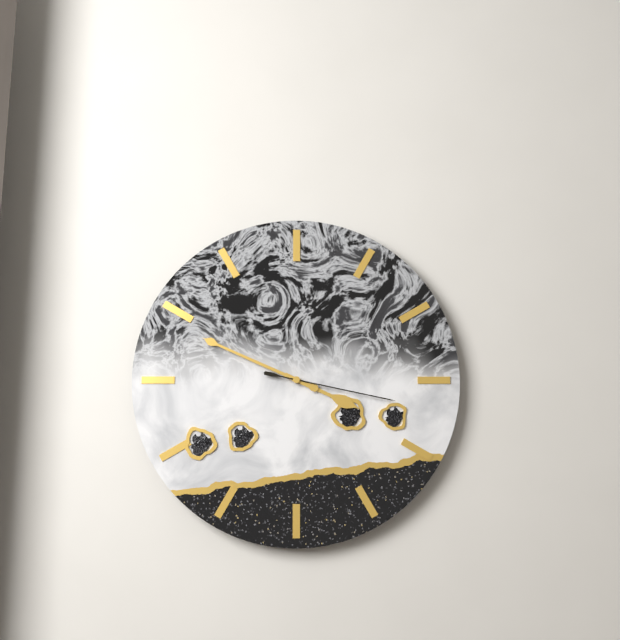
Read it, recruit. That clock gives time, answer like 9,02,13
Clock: 3,49,17
